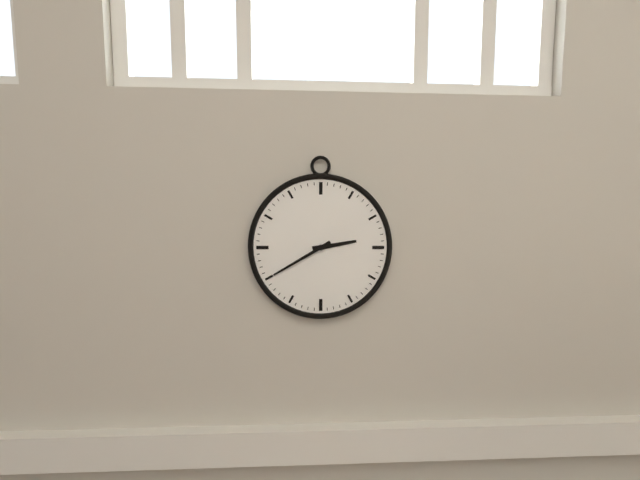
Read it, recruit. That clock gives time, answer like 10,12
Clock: 2,40
